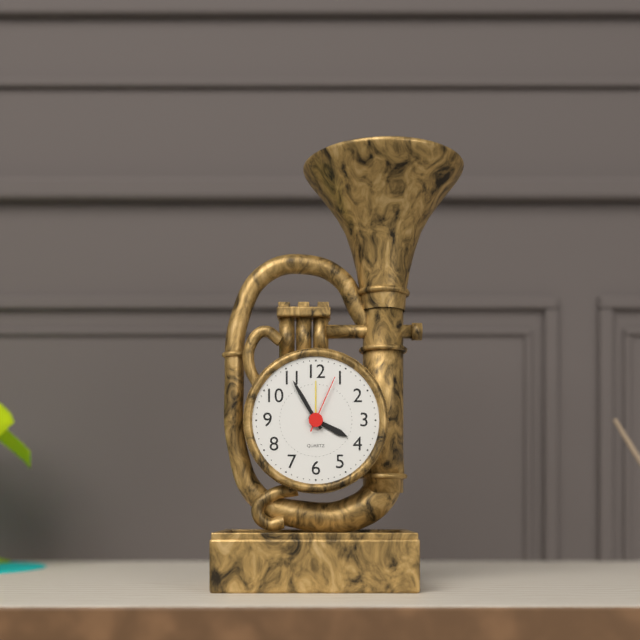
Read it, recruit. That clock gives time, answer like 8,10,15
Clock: 3,55,04
